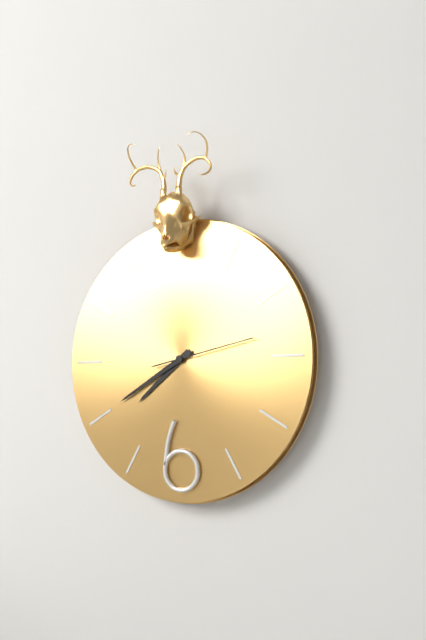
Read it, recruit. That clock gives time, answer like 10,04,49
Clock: 7,40,13
